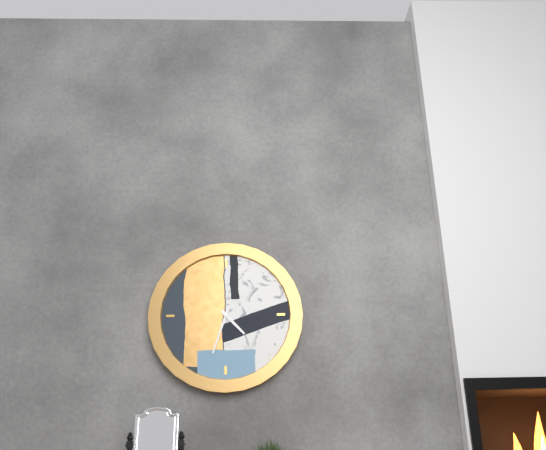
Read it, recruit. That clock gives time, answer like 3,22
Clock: 4,33
